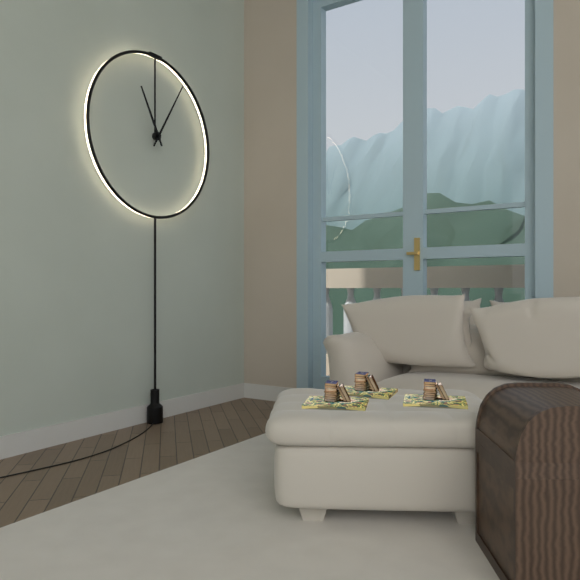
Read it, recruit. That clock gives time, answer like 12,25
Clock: 11,05
